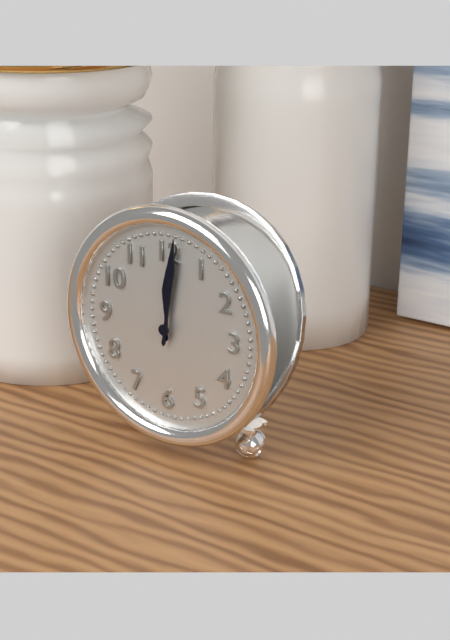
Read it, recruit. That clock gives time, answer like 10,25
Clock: 12,01
